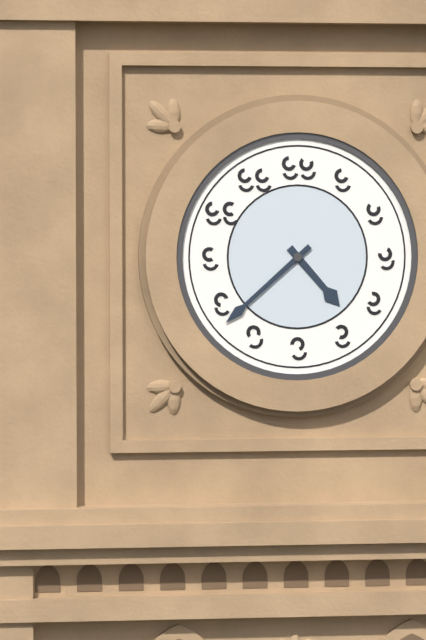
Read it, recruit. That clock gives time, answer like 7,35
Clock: 4,38
